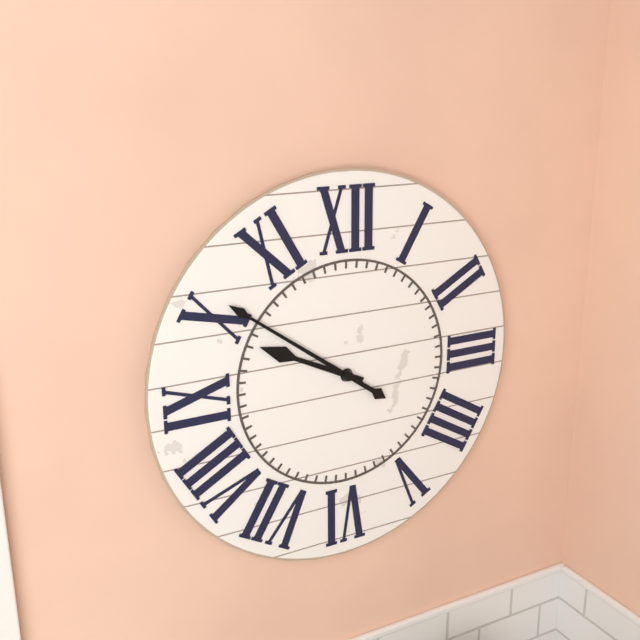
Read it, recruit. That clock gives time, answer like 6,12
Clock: 9,51
